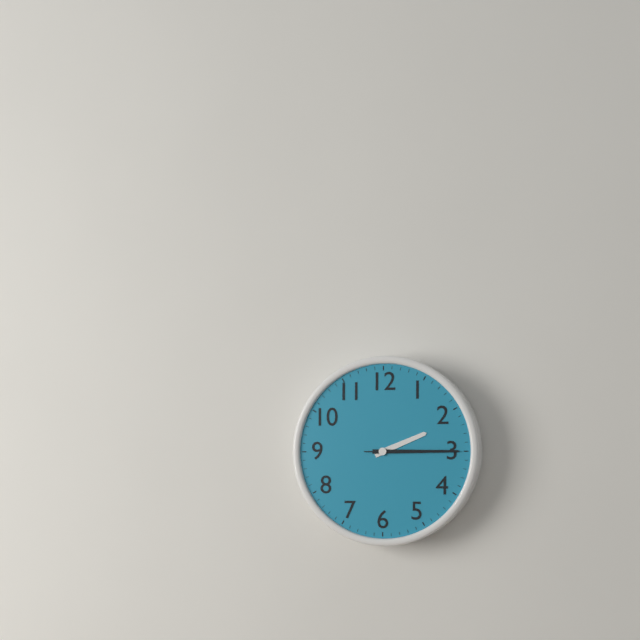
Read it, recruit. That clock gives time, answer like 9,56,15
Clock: 2,15,15
